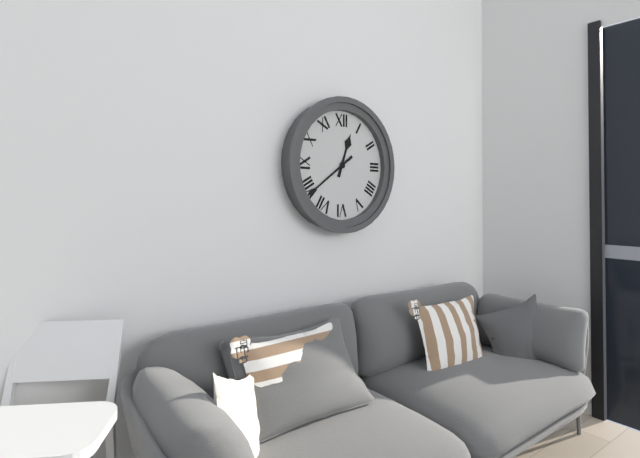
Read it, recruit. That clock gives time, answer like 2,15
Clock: 12,39
